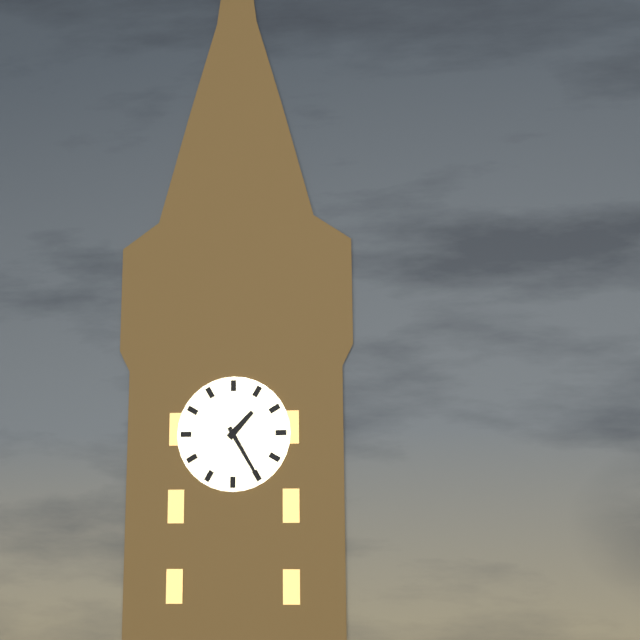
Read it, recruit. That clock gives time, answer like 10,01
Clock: 1,25
